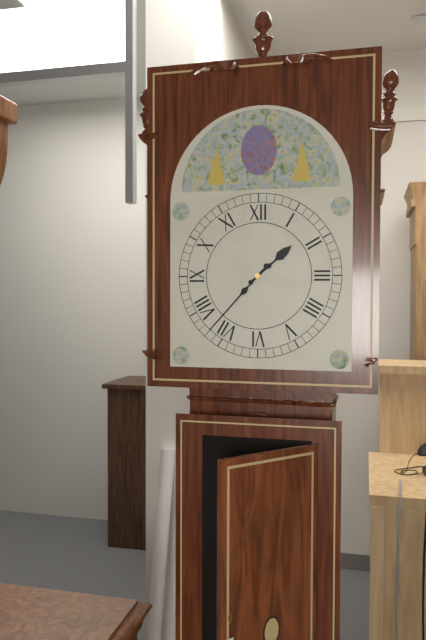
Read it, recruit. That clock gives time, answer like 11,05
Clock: 1,37
